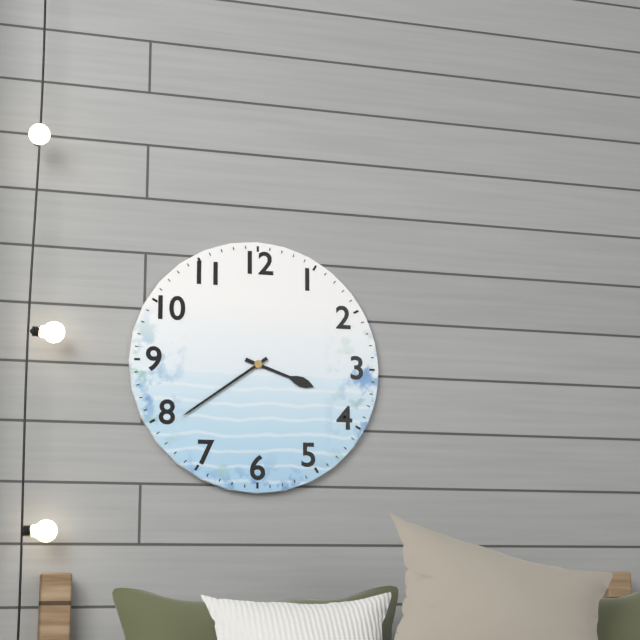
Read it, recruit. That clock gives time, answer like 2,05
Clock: 3,39
